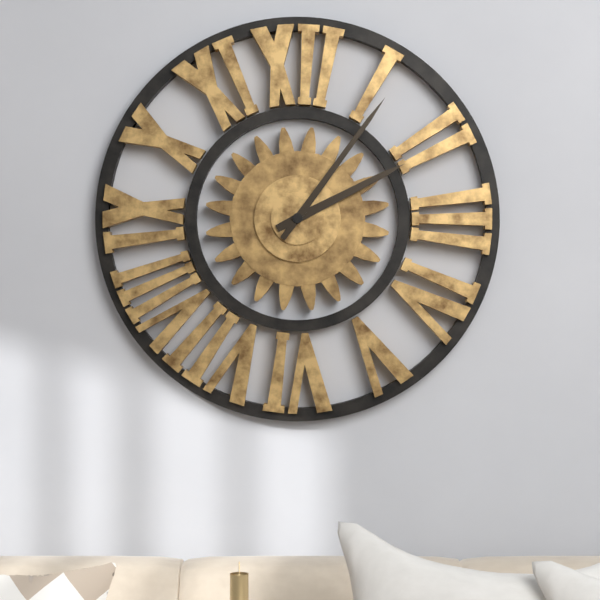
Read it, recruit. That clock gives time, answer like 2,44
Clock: 2,06
